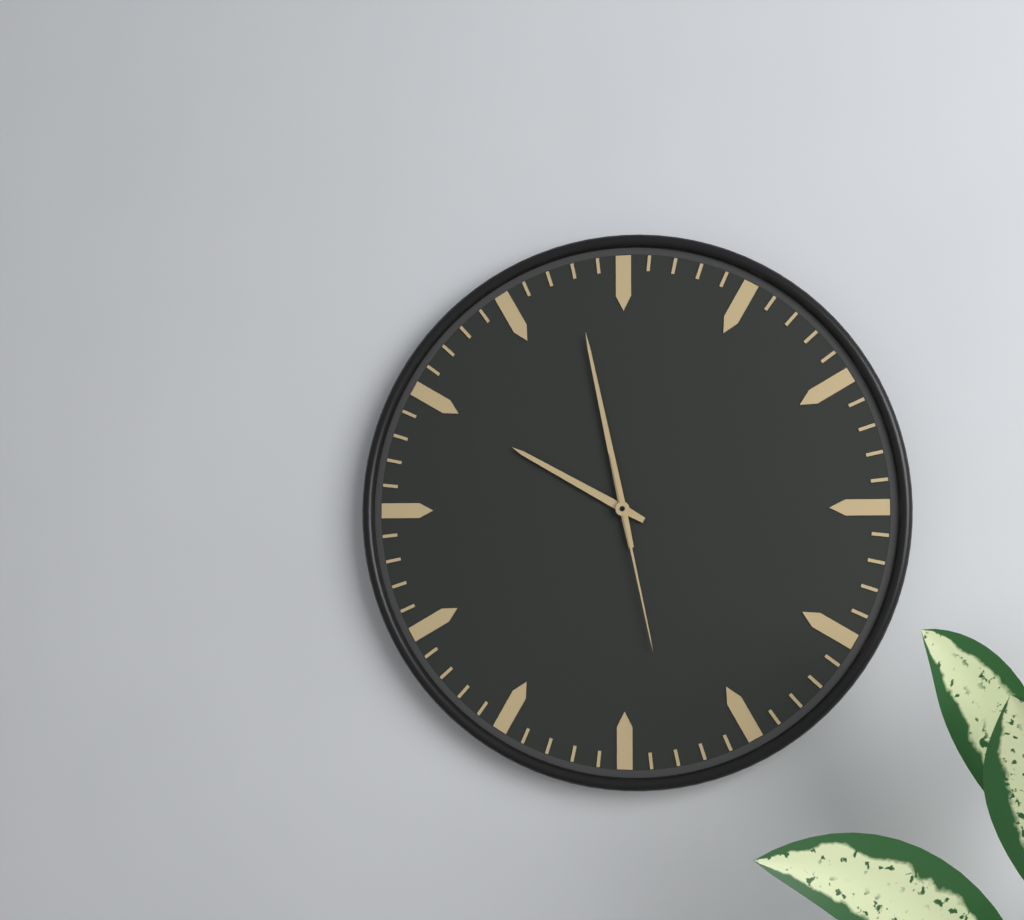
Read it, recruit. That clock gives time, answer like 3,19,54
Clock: 9,58,28
